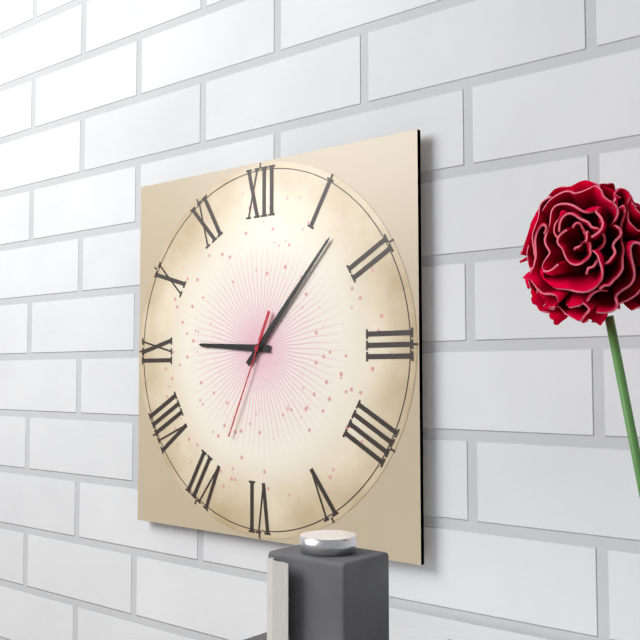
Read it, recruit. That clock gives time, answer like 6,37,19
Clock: 9,07,34
